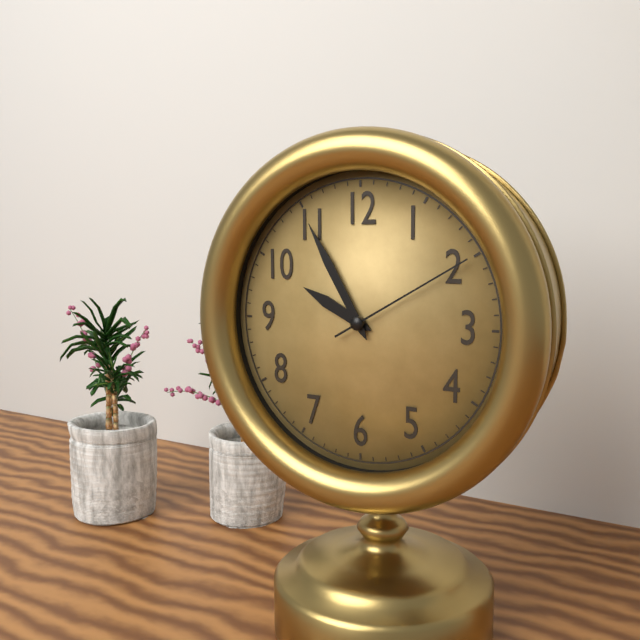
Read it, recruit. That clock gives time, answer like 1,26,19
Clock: 9,55,10
